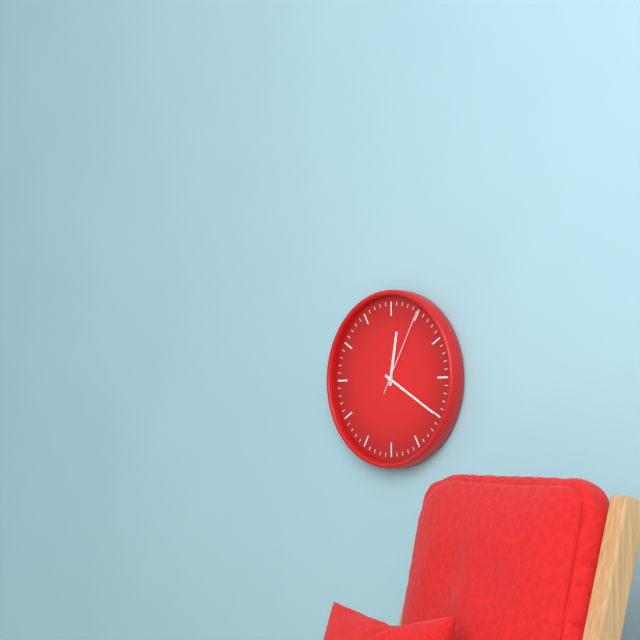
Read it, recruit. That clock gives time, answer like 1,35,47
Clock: 12,20,05
